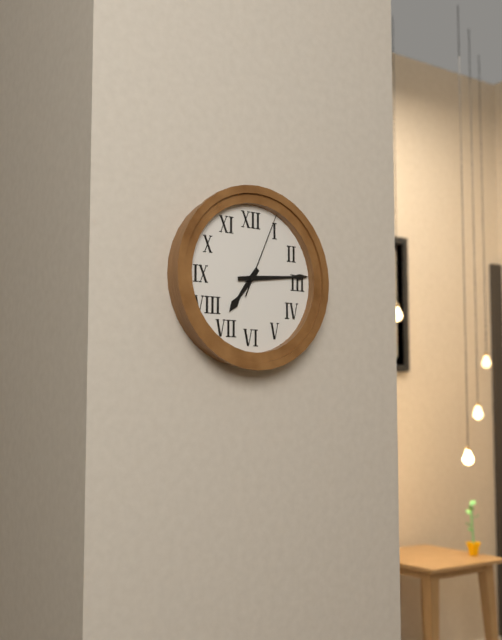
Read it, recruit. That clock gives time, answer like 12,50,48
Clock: 7,14,04
